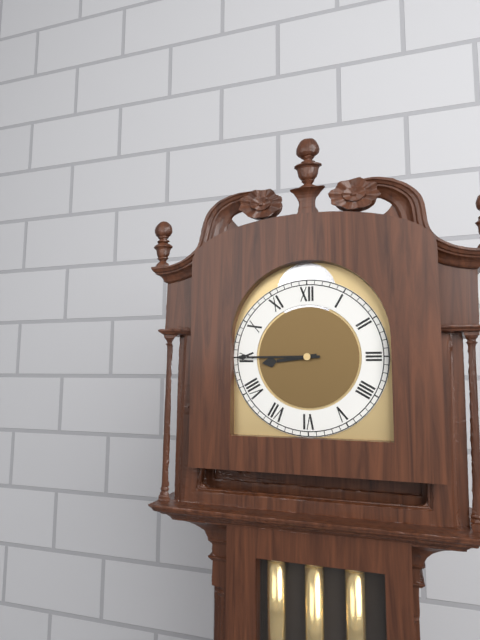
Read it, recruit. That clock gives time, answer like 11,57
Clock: 8,45
